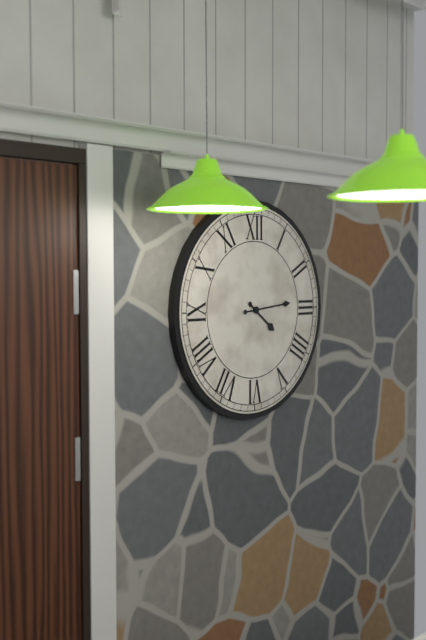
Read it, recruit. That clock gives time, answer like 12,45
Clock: 4,14
